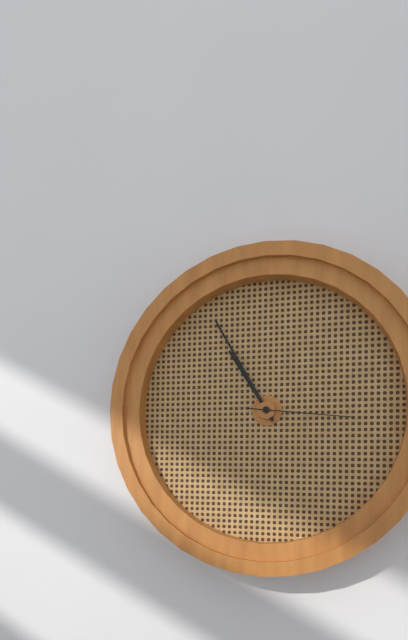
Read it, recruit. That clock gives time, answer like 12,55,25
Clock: 10,55,16
